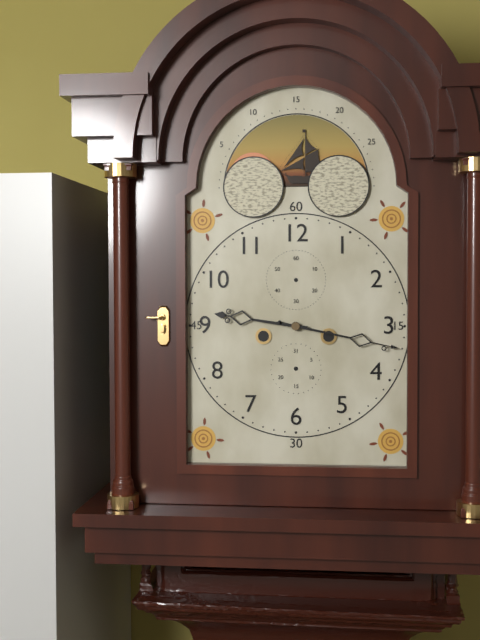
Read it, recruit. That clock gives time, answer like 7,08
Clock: 9,17
